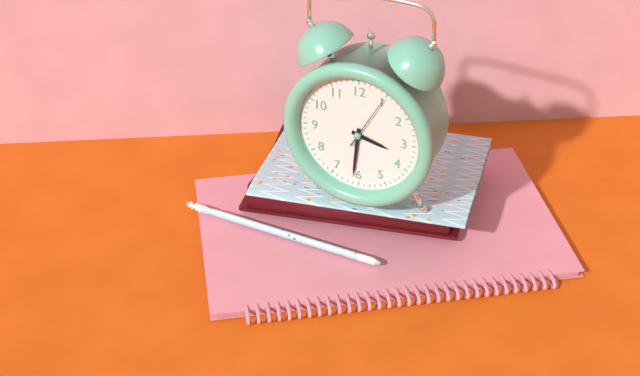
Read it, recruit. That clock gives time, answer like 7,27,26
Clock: 3,31,05
